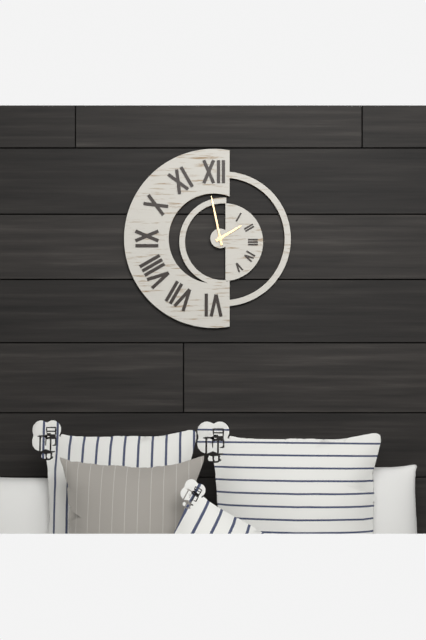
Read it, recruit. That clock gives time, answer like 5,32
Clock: 1,58
